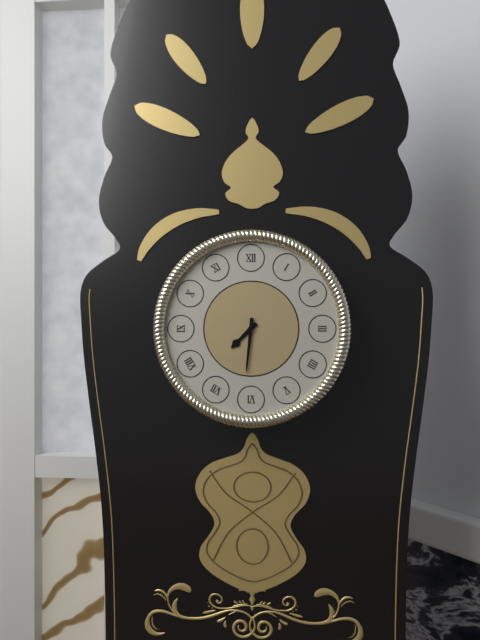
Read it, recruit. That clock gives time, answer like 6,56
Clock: 7,31
